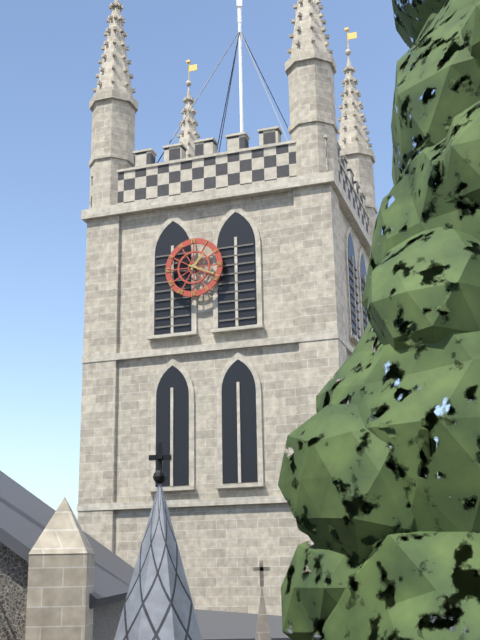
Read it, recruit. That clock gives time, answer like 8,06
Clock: 1,19
